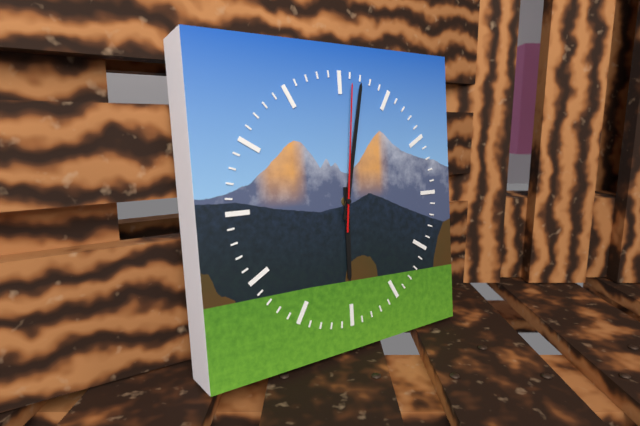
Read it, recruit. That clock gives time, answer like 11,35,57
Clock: 6,02,01
